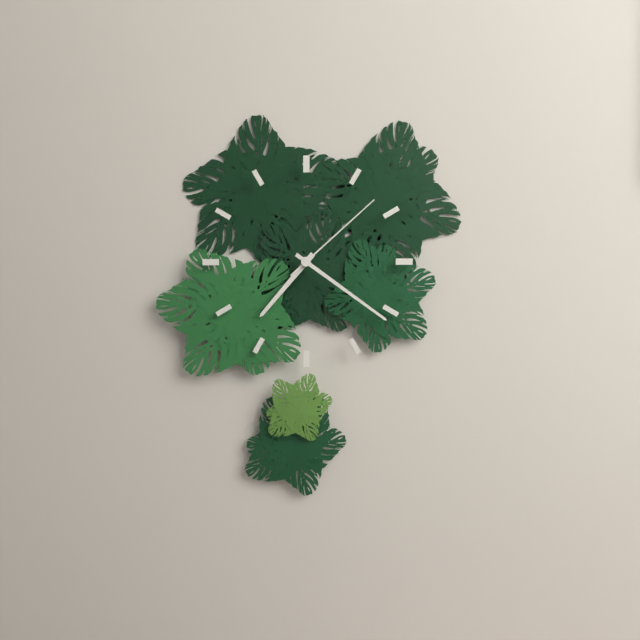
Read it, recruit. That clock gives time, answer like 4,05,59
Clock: 7,21,08
